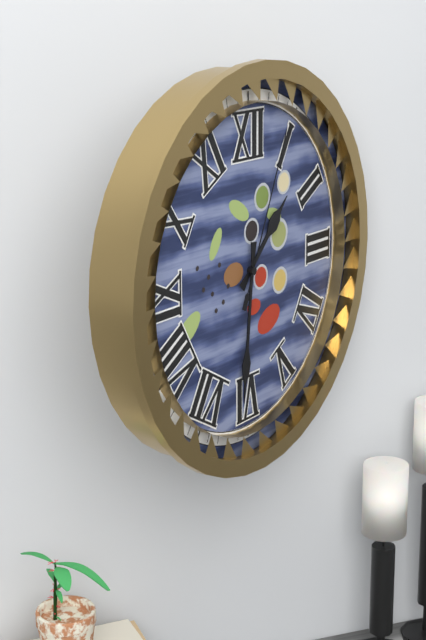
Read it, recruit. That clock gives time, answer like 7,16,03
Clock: 1,31,04
